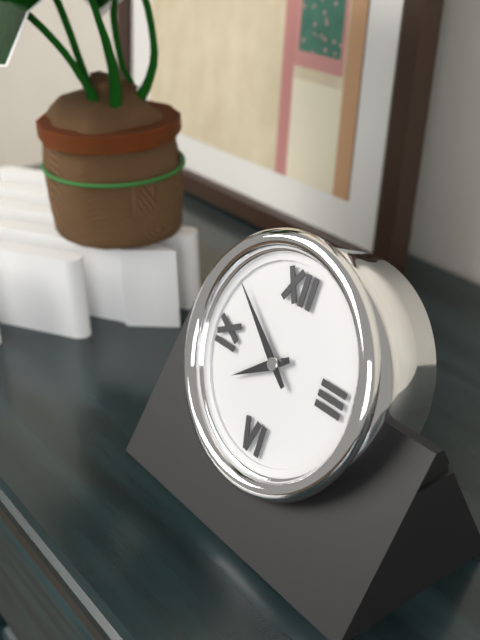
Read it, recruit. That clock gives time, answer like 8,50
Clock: 7,51
